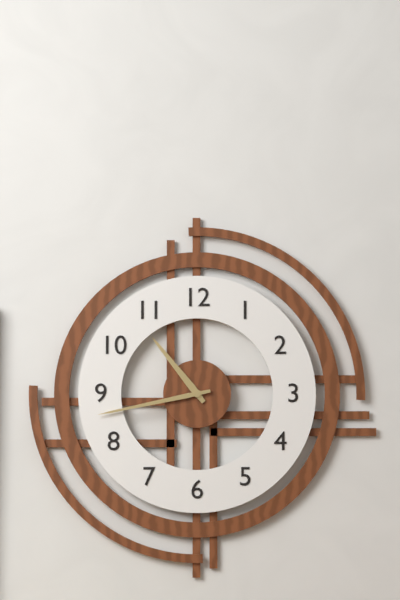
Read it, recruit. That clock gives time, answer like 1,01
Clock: 10,43
